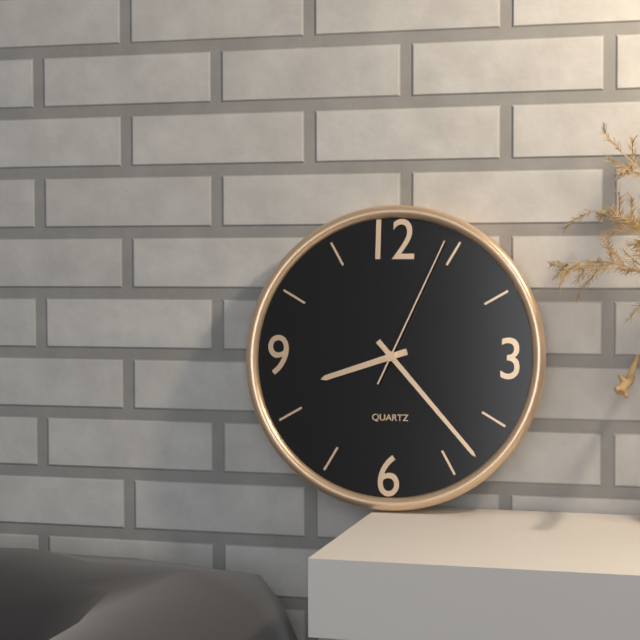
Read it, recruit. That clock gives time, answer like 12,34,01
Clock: 8,23,04
